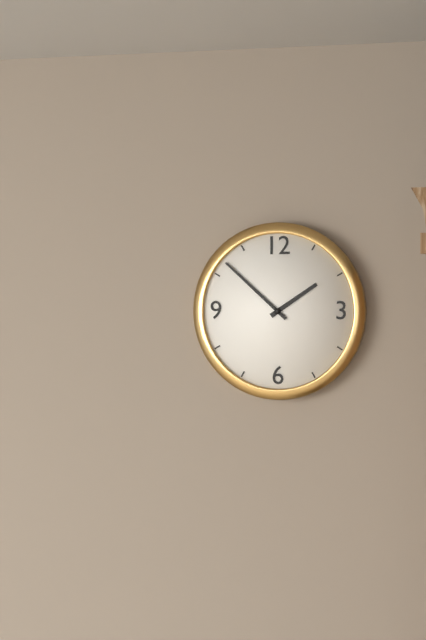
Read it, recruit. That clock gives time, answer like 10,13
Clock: 1,52
